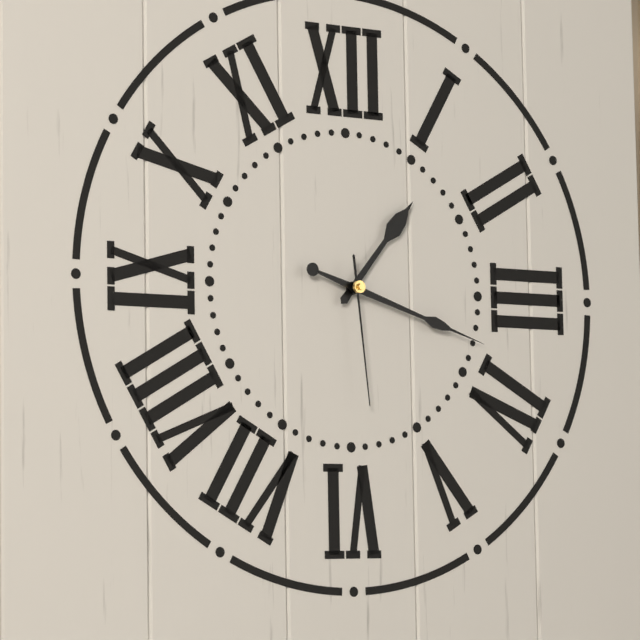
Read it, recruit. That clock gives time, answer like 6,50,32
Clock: 1,18,29
